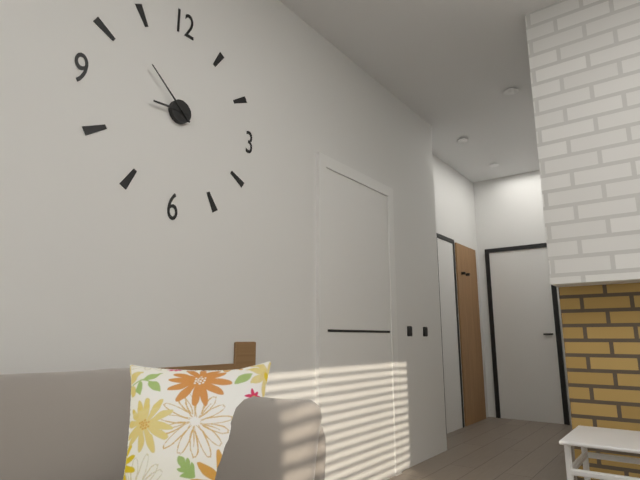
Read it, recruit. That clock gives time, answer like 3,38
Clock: 8,52
